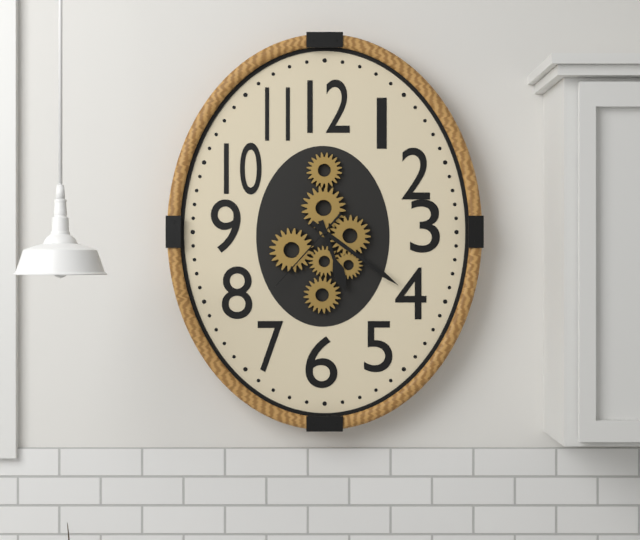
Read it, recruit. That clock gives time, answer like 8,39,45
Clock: 5,21,37
